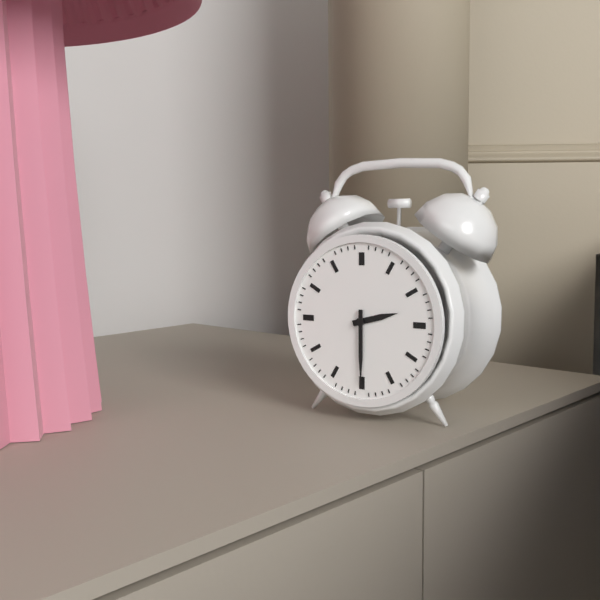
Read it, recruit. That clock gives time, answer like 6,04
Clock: 2,30
